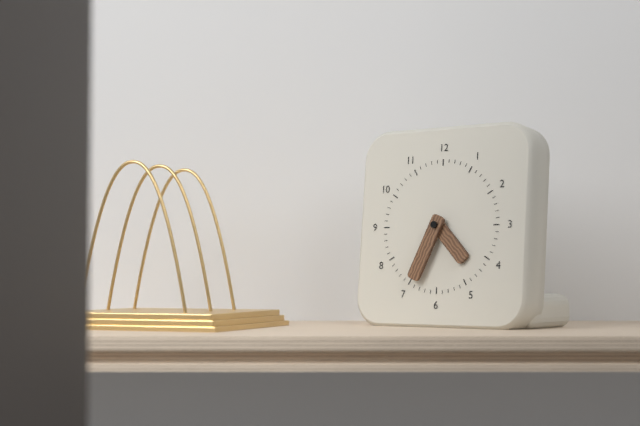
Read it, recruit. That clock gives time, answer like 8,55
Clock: 4,34
